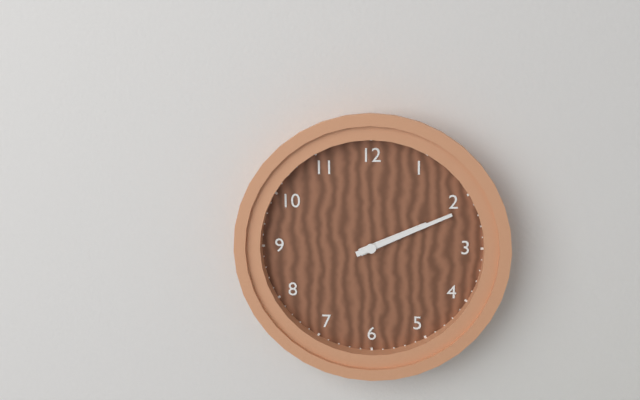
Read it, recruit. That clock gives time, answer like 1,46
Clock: 2,11
